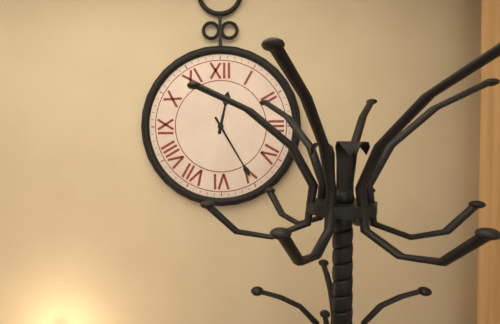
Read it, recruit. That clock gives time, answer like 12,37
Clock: 12,25
